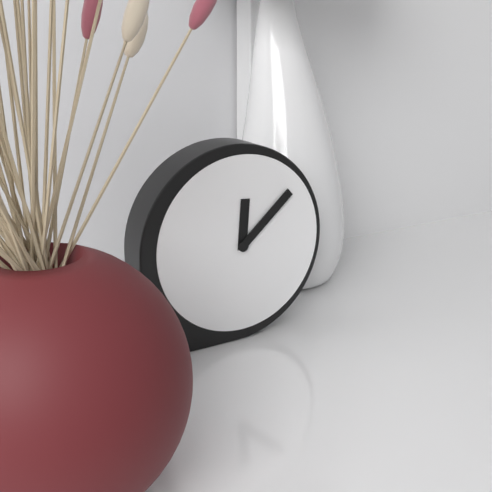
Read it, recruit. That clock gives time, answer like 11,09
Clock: 12,08
